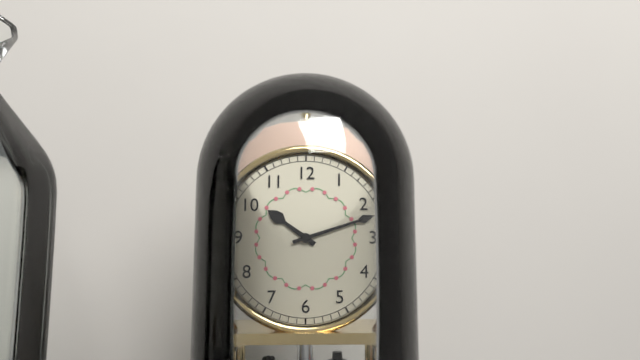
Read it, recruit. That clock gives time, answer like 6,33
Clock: 10,12
